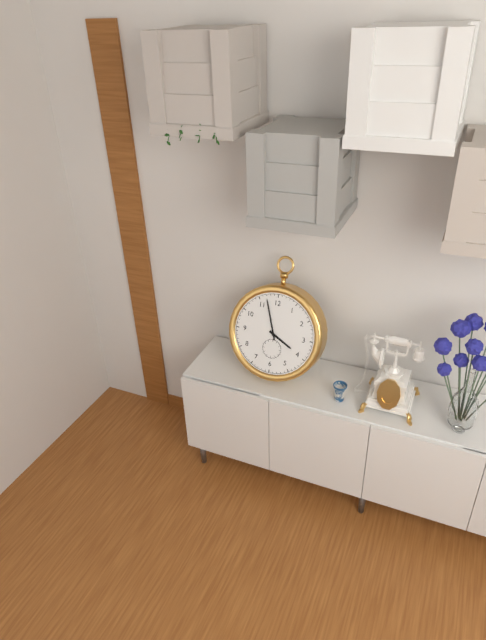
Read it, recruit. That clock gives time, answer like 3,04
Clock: 3,57
